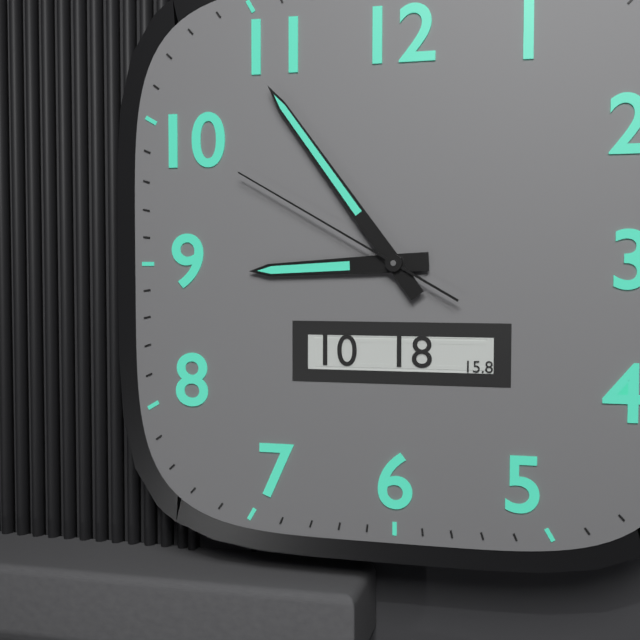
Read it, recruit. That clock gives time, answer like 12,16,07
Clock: 8,54,50
